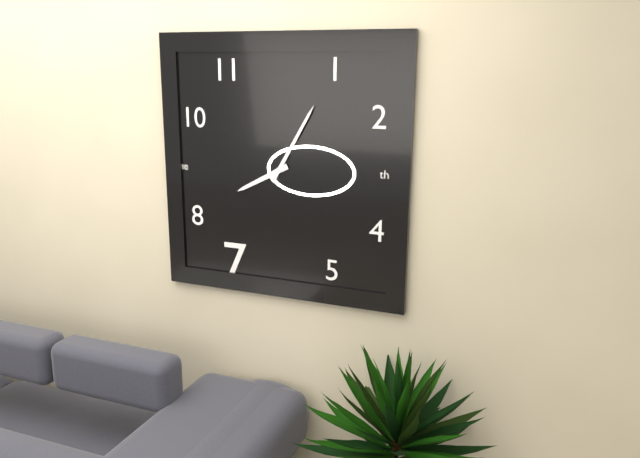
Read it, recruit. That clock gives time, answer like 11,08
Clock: 8,05
